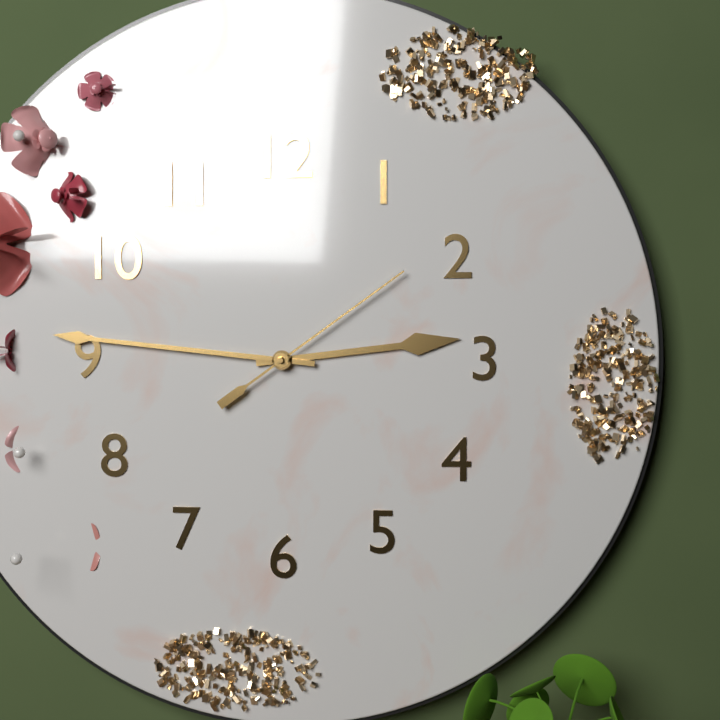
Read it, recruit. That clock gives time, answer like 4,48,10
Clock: 2,46,09
